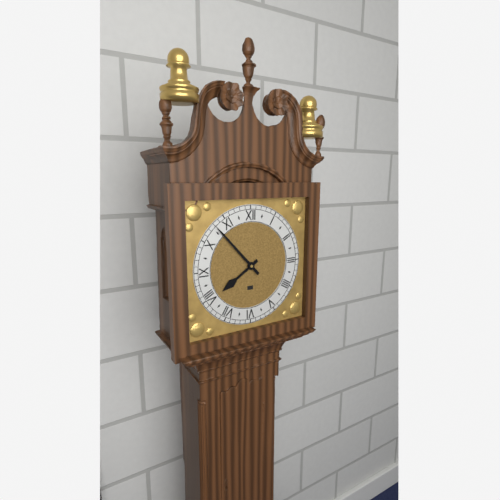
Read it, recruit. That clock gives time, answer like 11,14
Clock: 7,53
